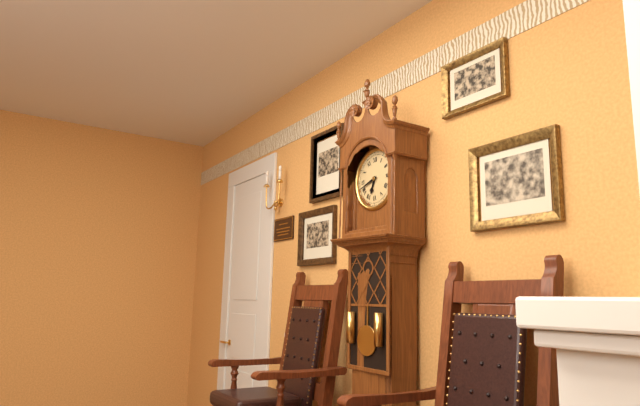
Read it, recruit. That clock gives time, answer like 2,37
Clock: 6,42
